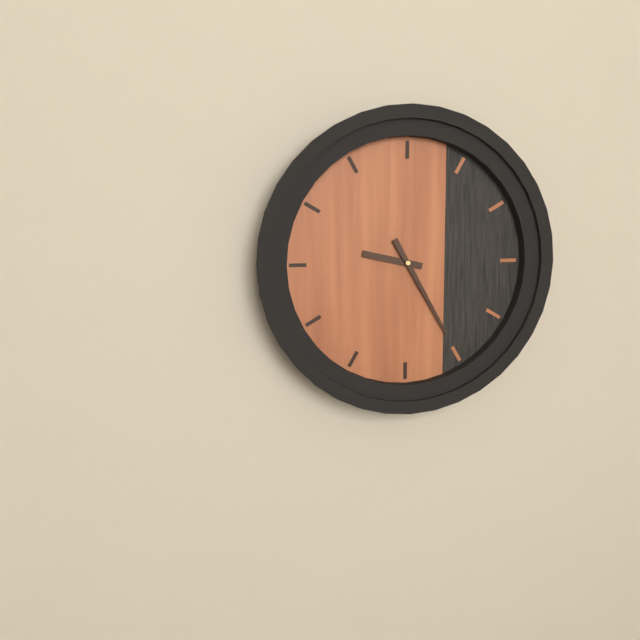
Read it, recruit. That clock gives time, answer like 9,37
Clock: 9,25
